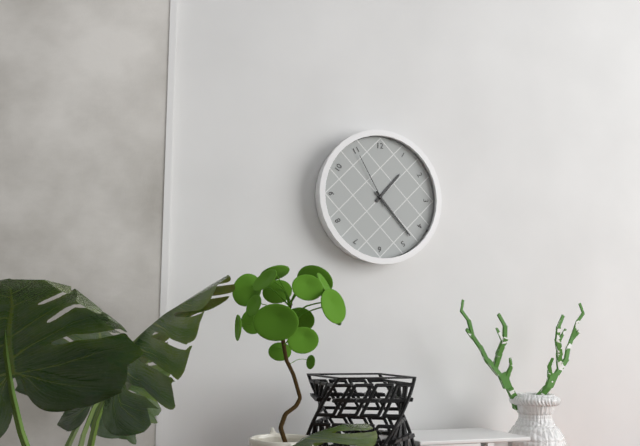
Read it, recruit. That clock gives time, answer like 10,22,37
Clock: 1,23,55
